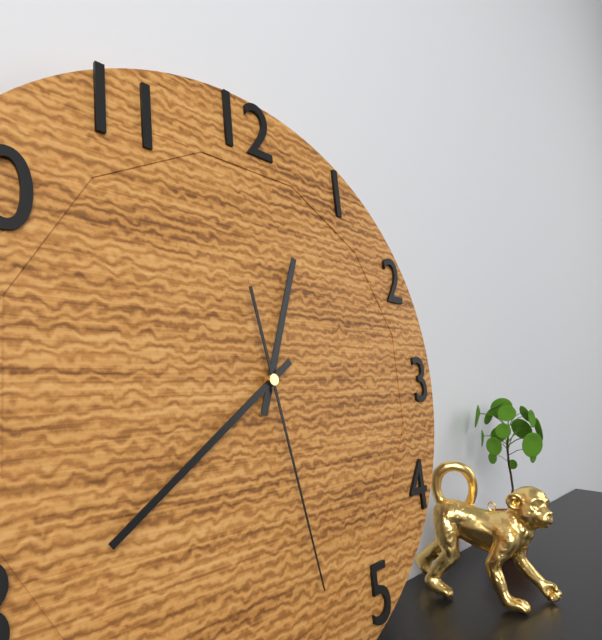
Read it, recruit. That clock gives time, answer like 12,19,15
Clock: 12,39,28
